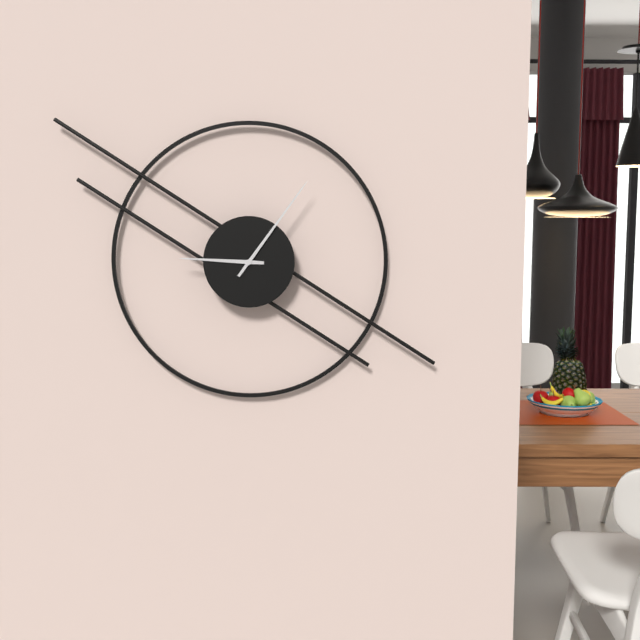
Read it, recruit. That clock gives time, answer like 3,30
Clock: 9,06
